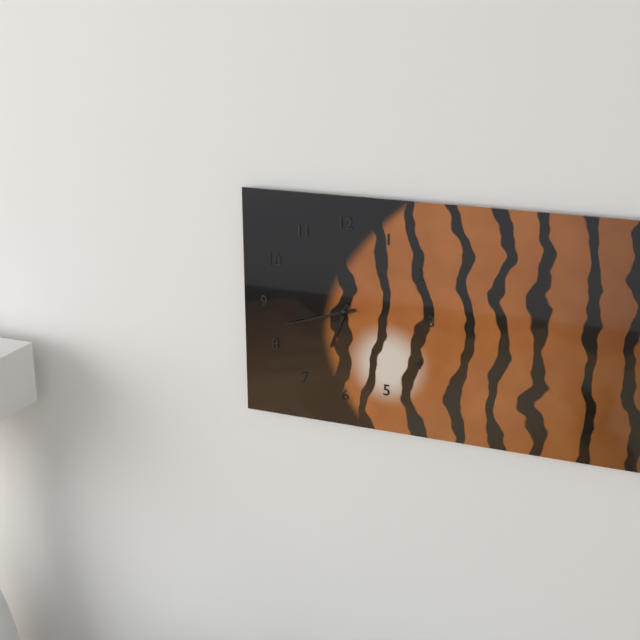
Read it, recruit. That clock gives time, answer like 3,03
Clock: 6,42
